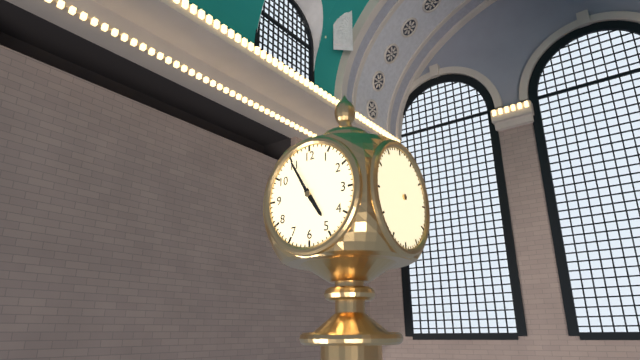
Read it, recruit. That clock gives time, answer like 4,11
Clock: 4,55
